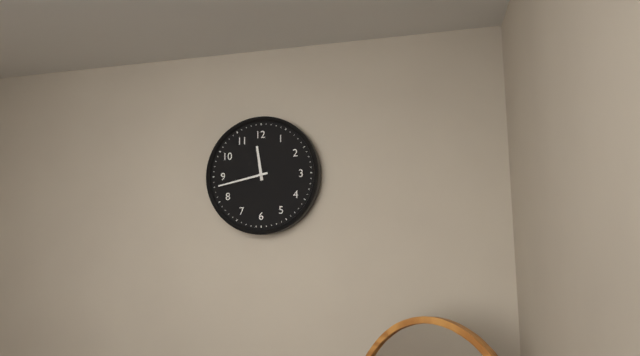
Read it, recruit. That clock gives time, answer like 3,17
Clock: 11,43
